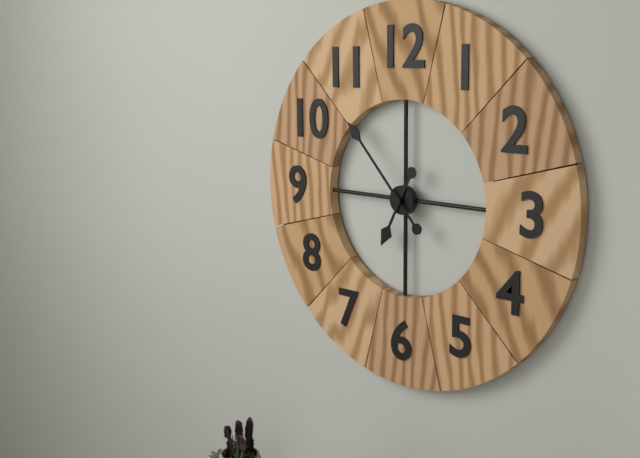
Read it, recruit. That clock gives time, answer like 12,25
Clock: 6,53
